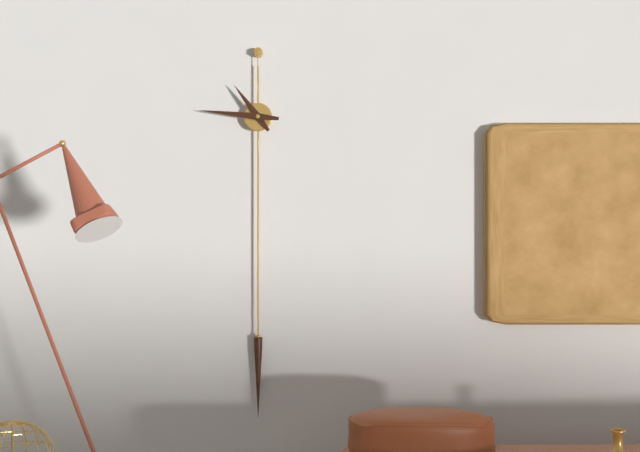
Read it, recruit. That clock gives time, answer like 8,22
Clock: 10,46
